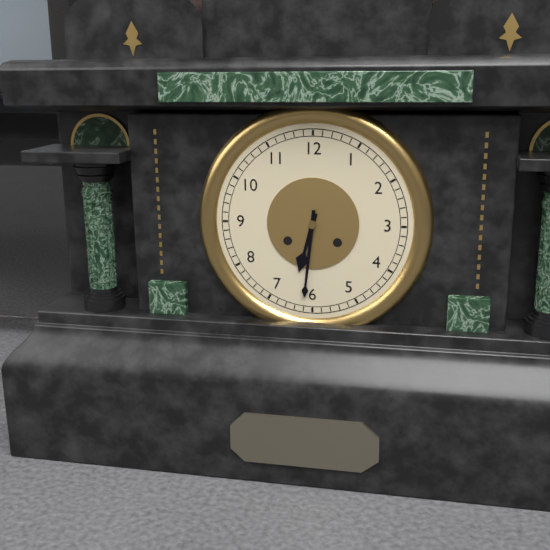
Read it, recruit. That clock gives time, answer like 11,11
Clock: 6,31
